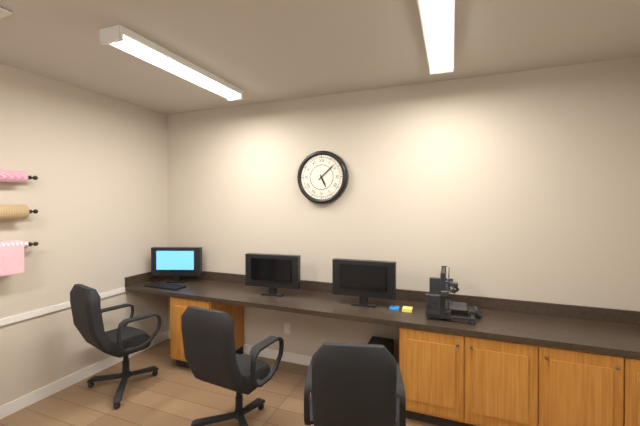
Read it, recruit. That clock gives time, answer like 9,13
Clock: 5,08
